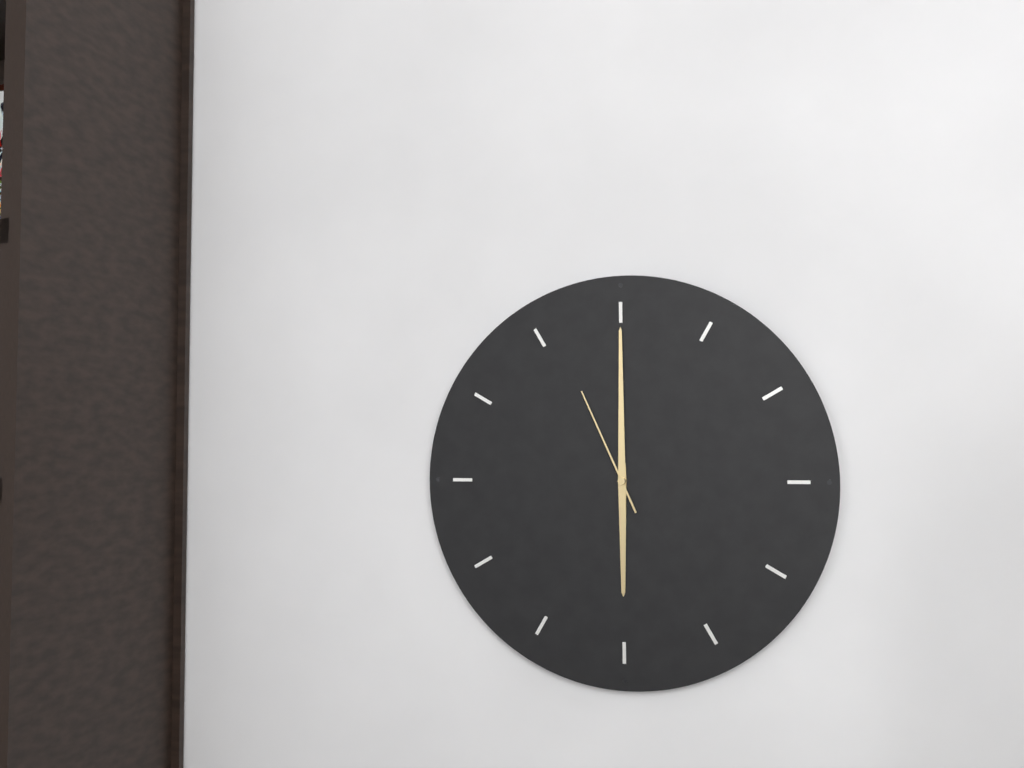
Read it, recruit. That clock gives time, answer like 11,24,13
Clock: 6,00,56
